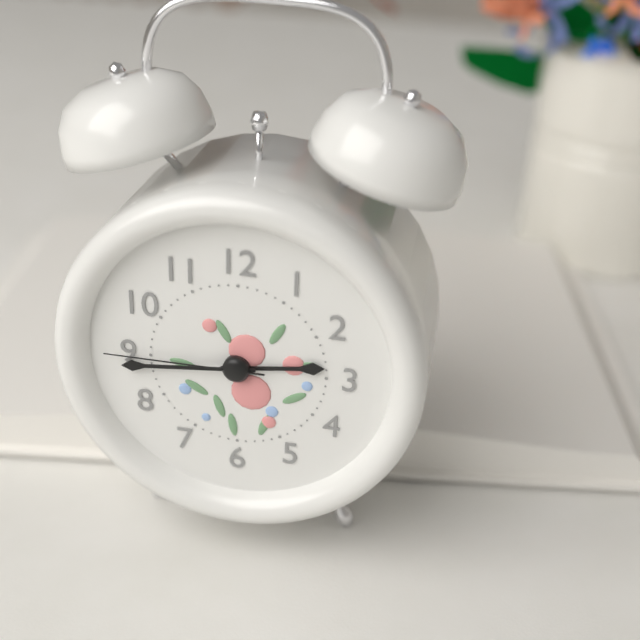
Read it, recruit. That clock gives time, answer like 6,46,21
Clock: 2,44,45
